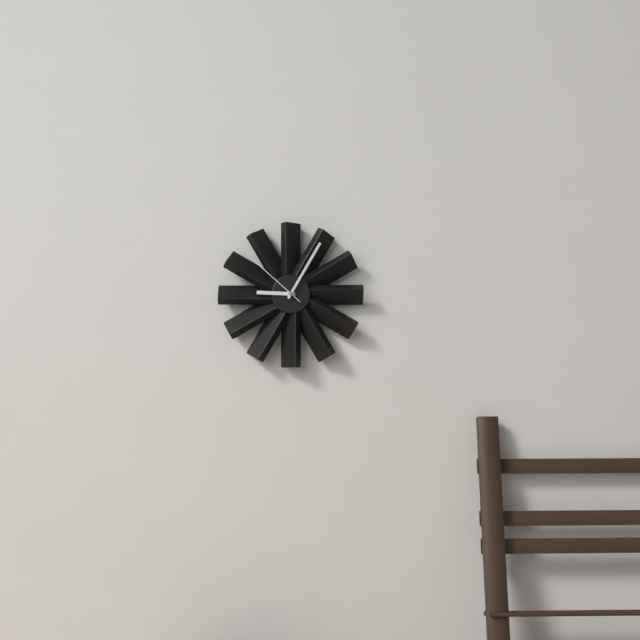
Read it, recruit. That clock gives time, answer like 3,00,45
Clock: 9,05,52
